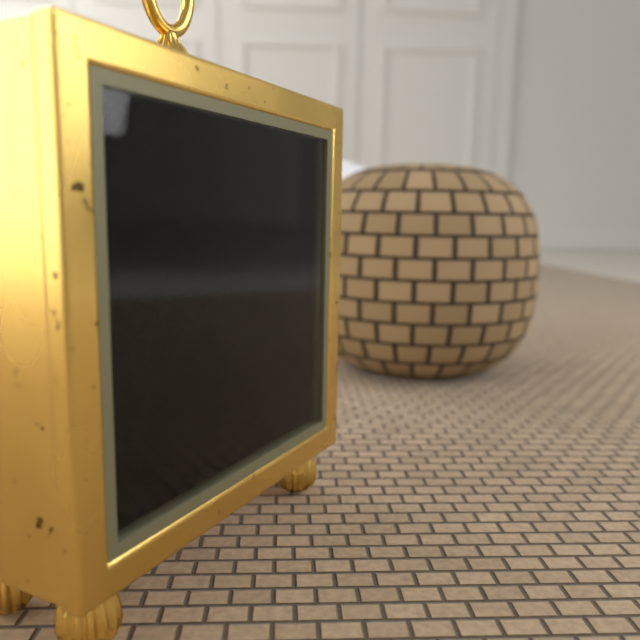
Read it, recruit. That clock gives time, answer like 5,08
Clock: 2,09
